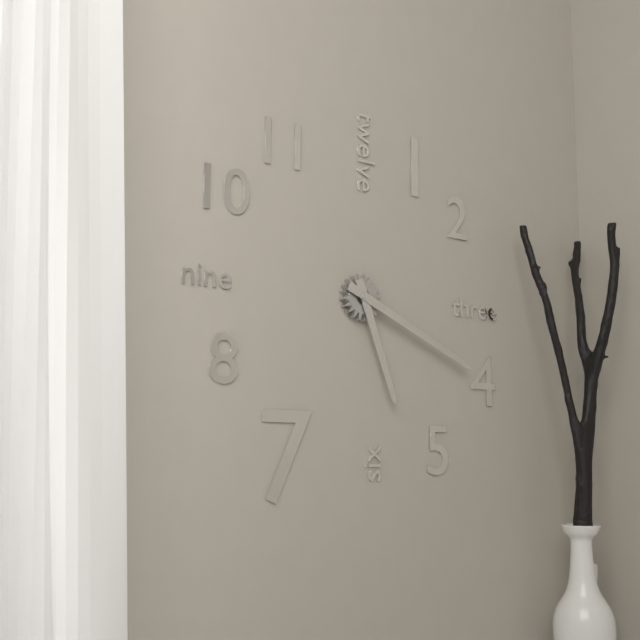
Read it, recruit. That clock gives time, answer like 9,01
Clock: 5,19
